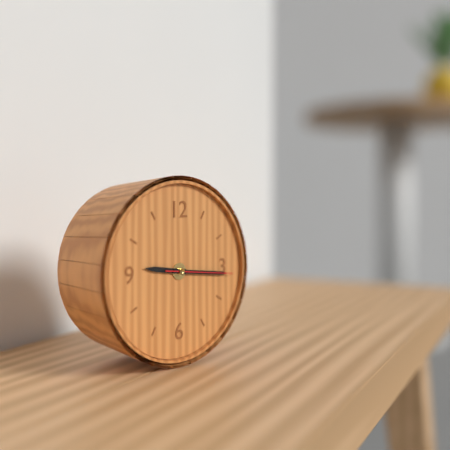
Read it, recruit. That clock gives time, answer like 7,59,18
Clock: 9,16,16
